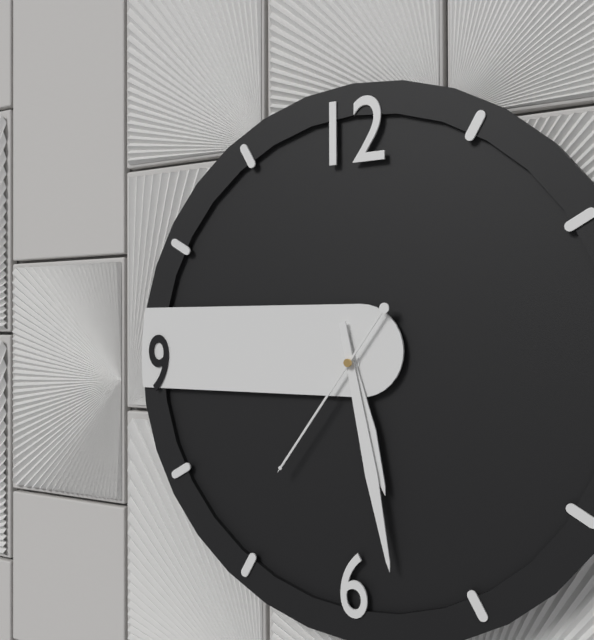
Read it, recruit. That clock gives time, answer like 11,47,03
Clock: 5,28,36
